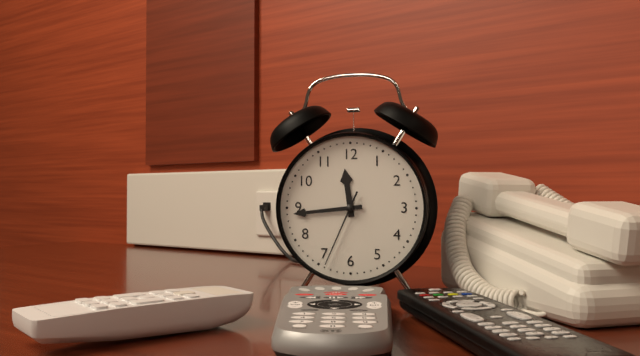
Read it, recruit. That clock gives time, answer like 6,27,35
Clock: 11,44,34
